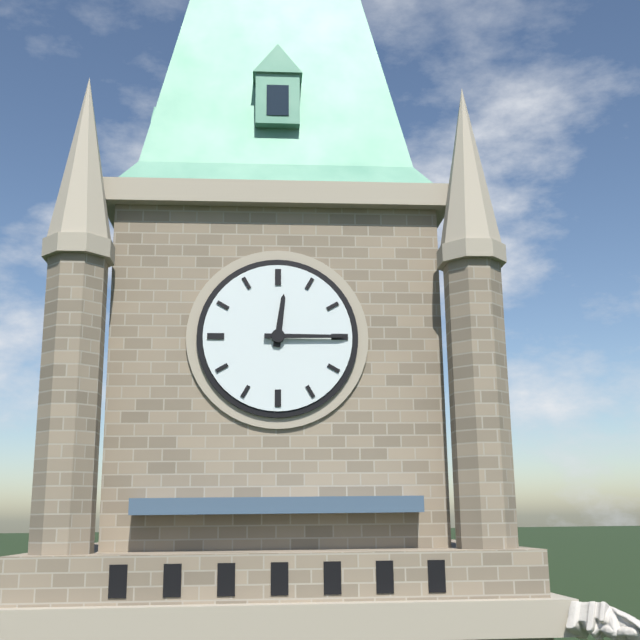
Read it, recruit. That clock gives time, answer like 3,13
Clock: 12,15
